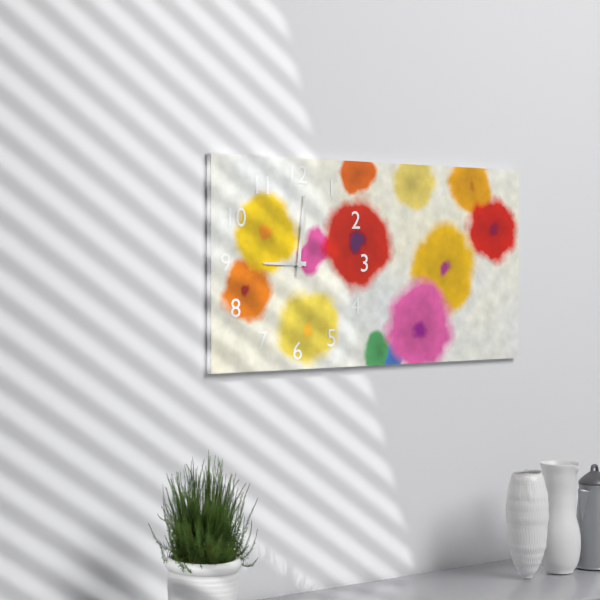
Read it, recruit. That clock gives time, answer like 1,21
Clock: 9,01
